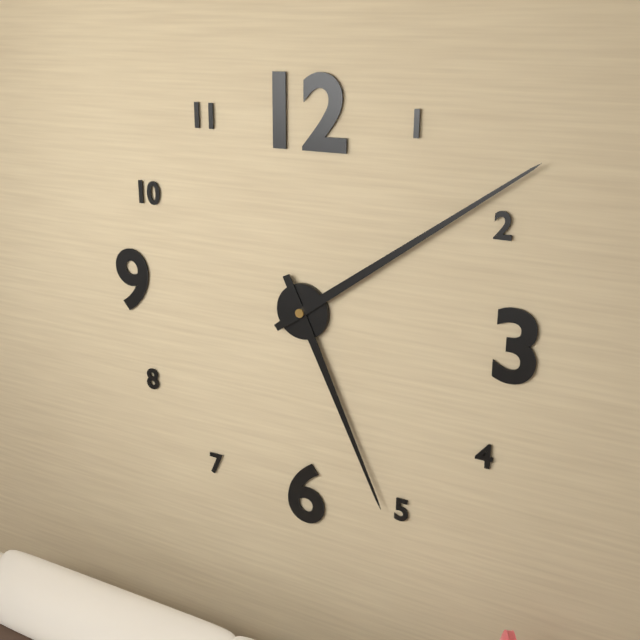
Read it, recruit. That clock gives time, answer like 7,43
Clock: 5,09
